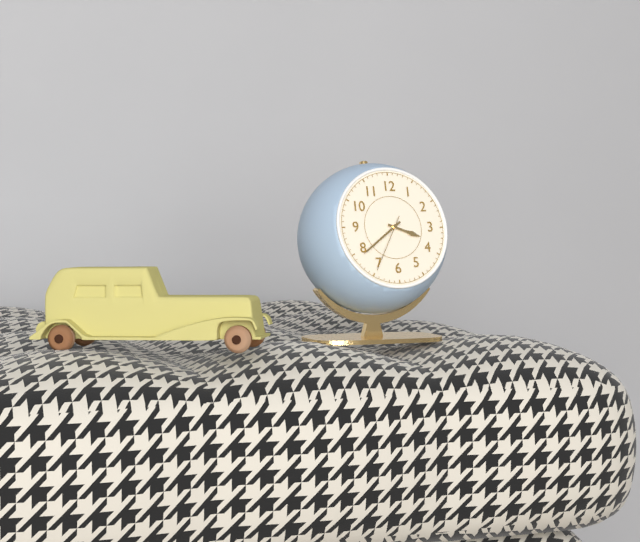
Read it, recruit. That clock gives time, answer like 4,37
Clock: 3,39
